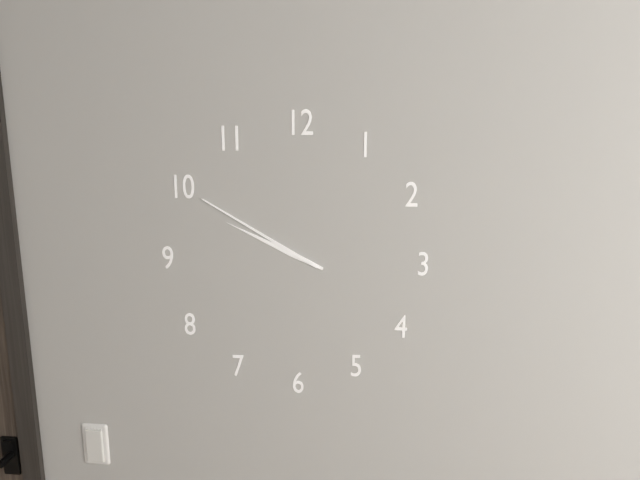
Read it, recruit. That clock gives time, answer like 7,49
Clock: 9,50
